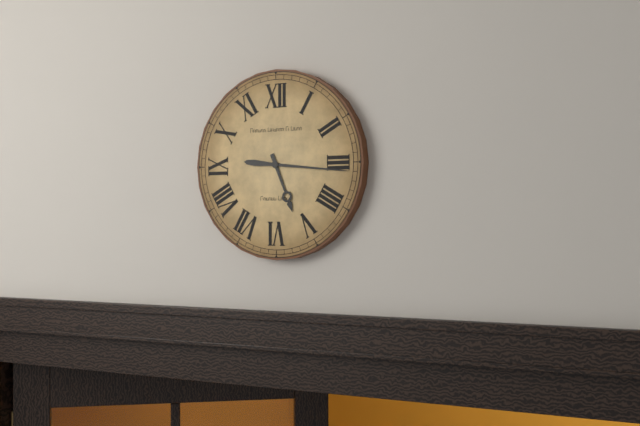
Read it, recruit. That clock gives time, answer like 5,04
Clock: 5,16
